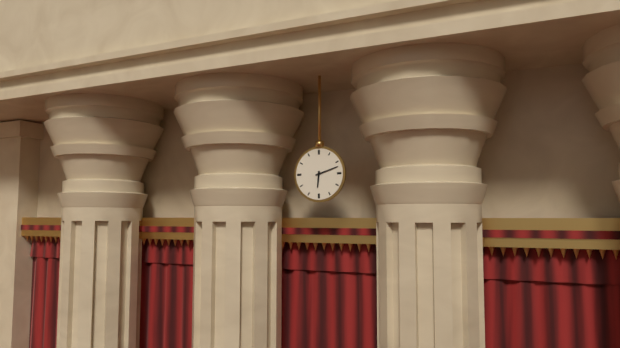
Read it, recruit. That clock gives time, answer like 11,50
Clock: 6,12
